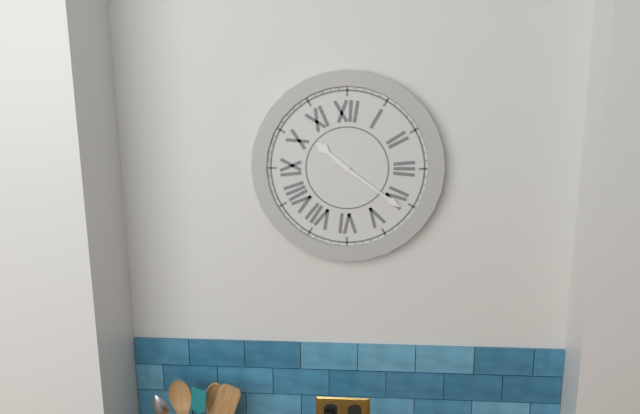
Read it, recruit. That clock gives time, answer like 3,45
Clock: 10,21
